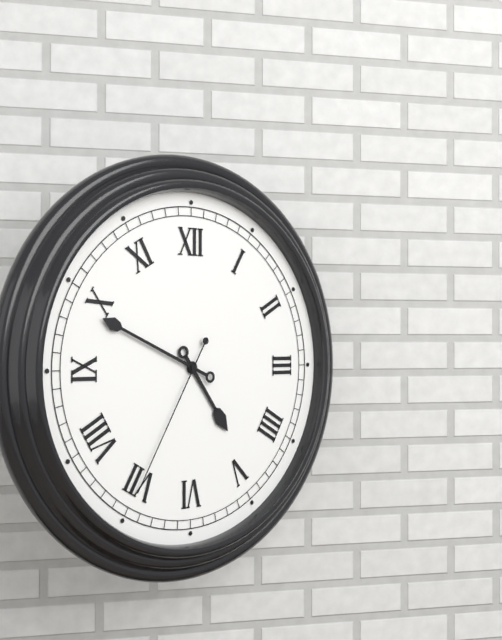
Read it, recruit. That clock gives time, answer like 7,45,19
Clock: 4,49,35
